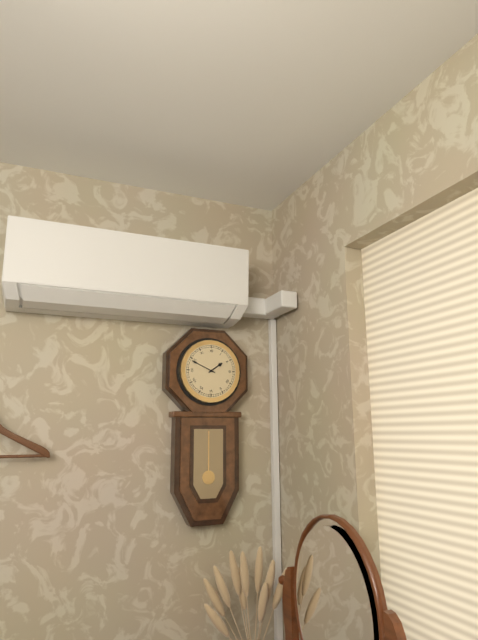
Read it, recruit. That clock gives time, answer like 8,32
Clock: 1,49
